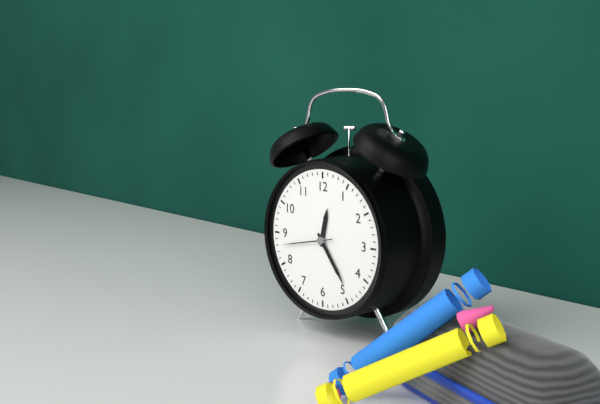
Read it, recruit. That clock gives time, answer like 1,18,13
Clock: 12,24,43
